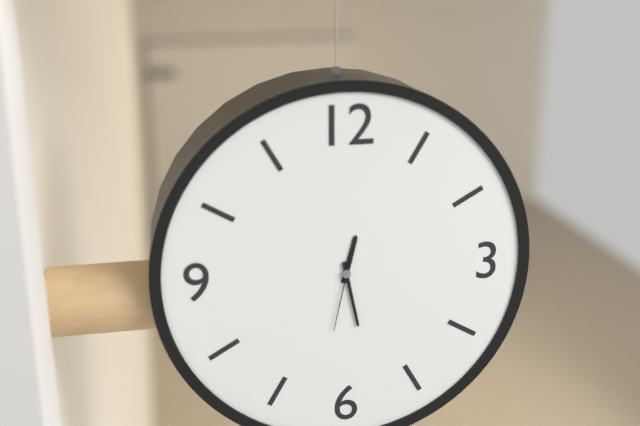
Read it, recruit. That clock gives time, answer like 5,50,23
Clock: 12,28,32
